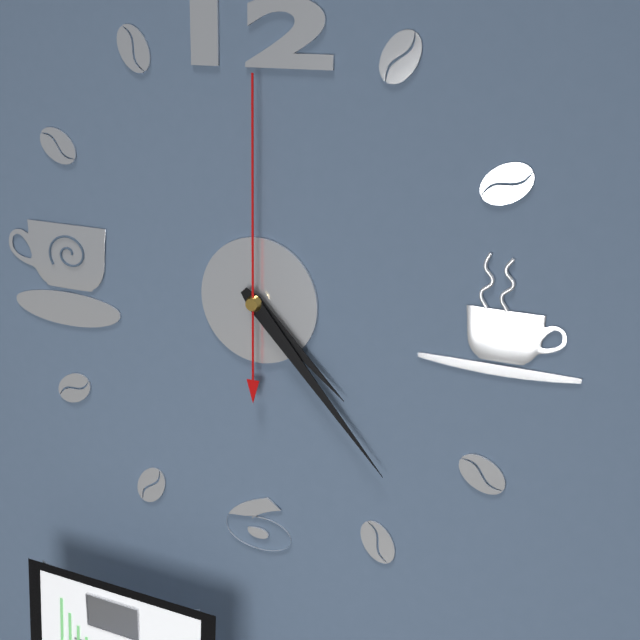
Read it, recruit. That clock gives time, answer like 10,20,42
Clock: 4,23,00
